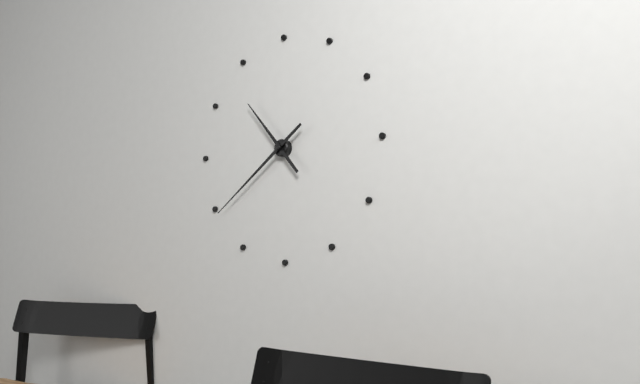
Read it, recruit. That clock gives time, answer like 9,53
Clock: 10,39
